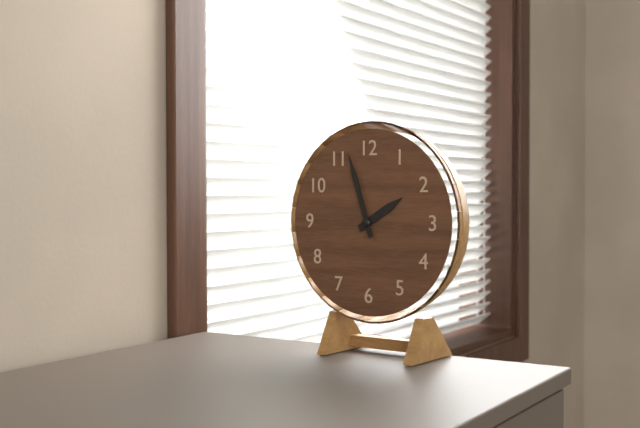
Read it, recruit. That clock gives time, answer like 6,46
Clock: 1,57
